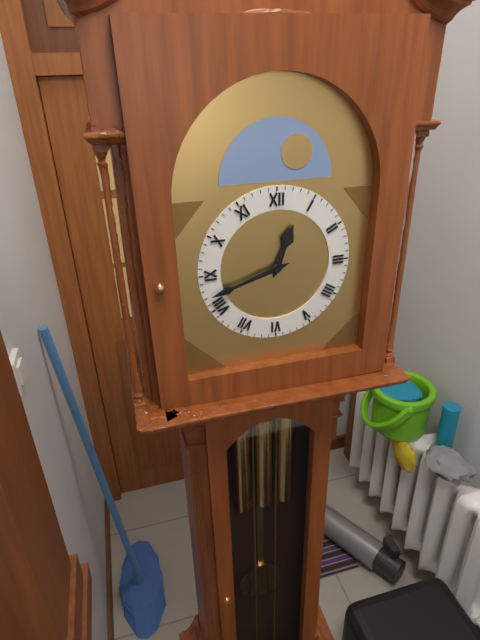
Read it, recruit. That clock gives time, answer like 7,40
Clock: 12,42
